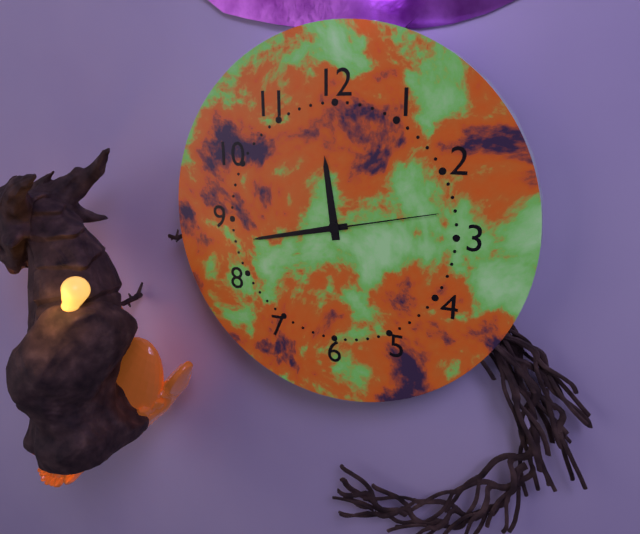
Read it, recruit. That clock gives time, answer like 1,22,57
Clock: 11,43,13
